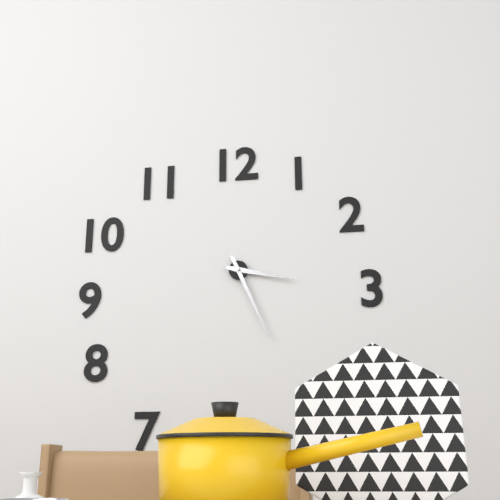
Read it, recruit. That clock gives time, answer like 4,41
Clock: 3,26
